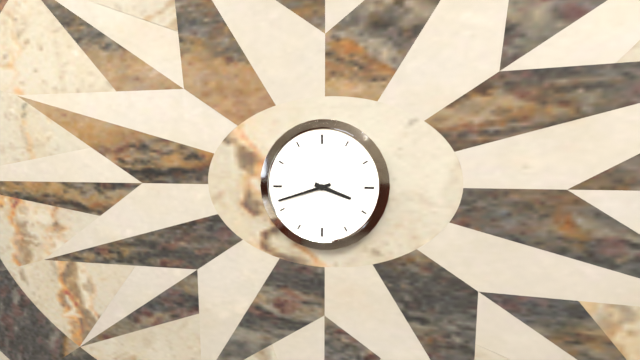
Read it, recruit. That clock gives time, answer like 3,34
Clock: 3,42
